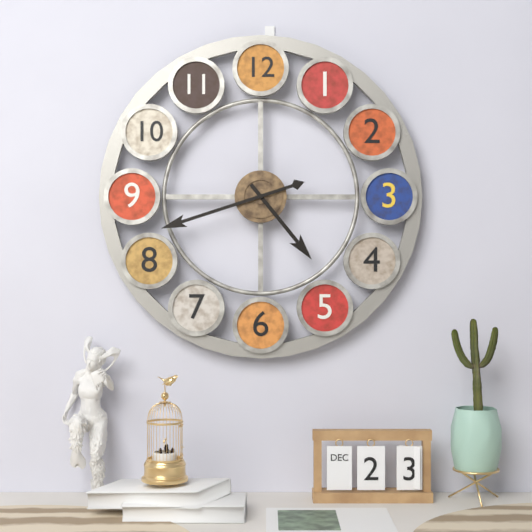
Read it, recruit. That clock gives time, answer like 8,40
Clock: 4,42
